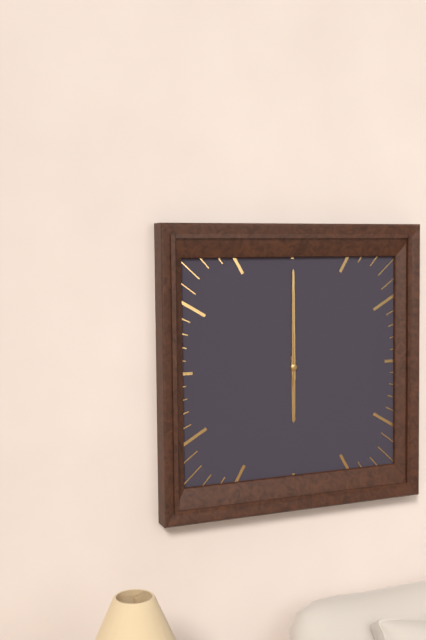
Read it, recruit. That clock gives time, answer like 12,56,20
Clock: 6,00,00
